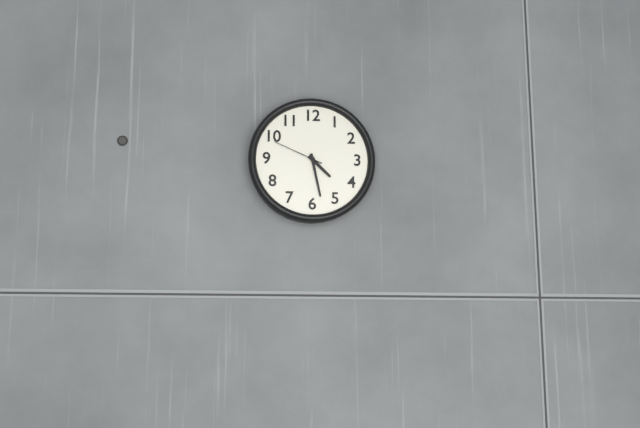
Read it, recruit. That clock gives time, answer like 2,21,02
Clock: 4,28,49
